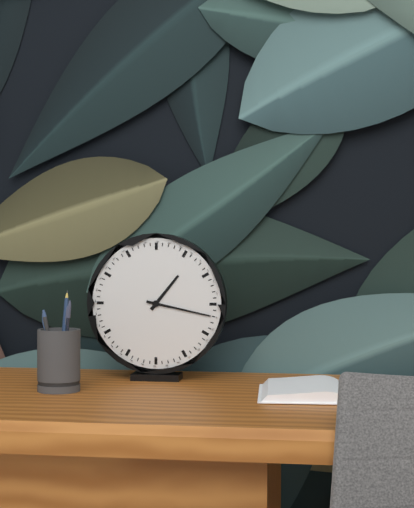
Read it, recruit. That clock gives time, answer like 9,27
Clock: 1,17
